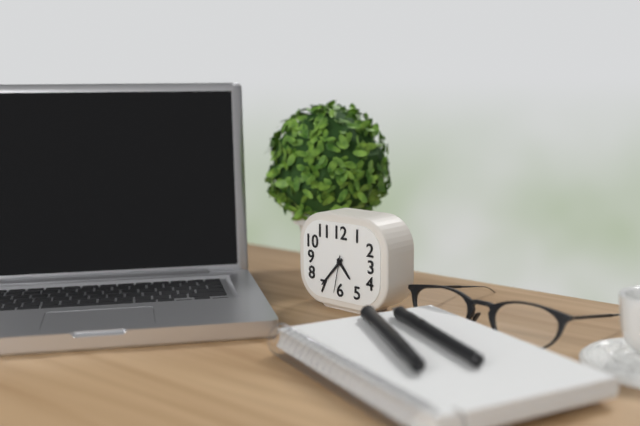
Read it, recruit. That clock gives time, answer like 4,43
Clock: 4,37
